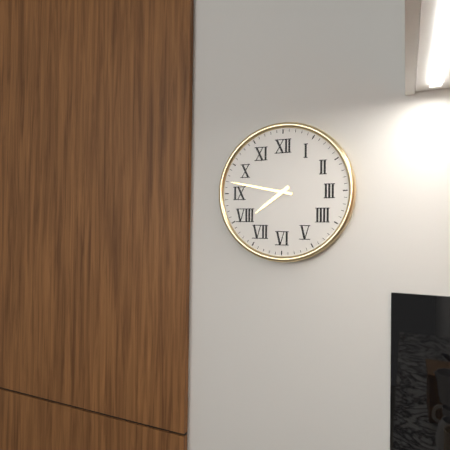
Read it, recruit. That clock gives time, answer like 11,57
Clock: 7,47
